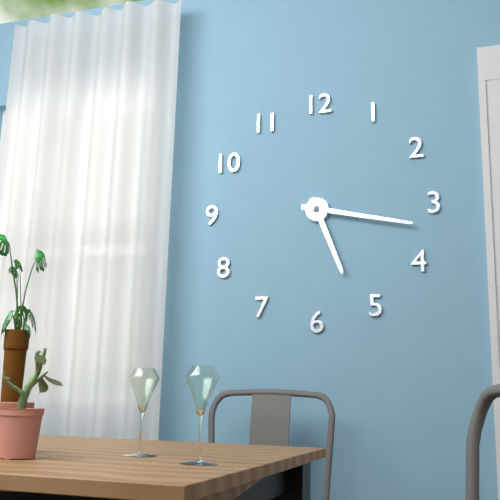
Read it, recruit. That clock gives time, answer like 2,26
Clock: 5,17
